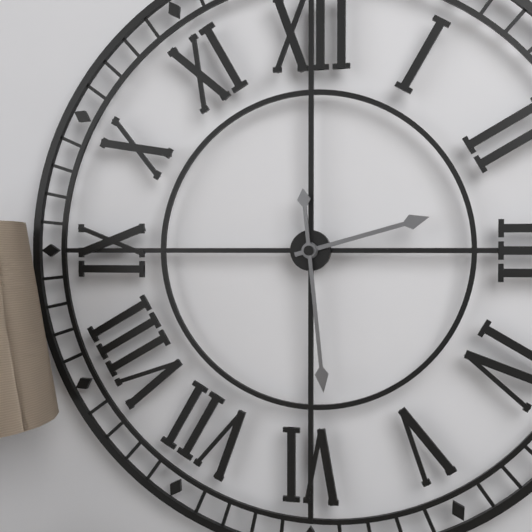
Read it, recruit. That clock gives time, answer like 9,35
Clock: 2,29
